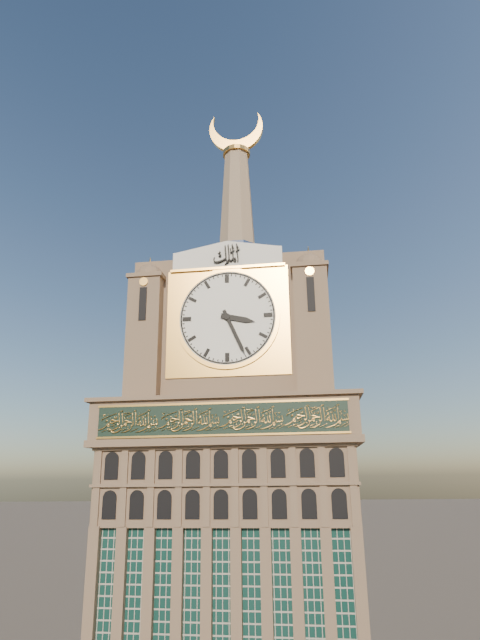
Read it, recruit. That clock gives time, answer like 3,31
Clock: 3,26
